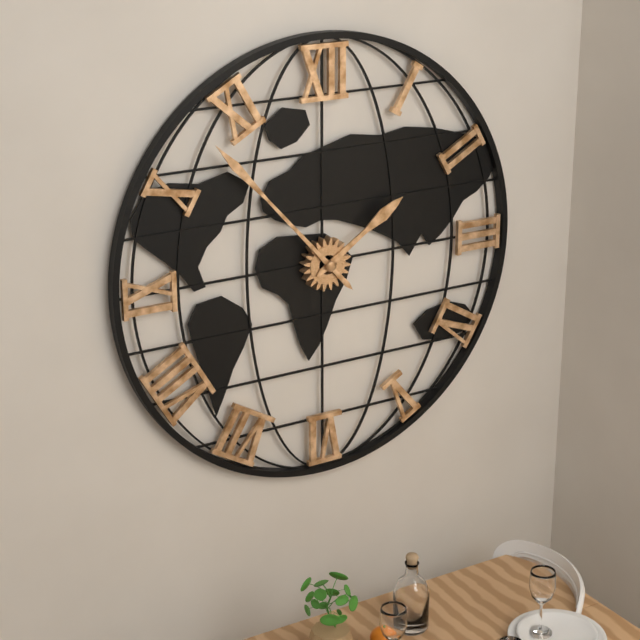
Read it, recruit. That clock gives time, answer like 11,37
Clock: 1,53
